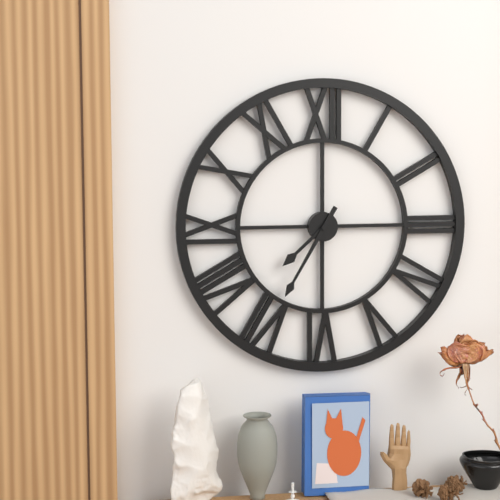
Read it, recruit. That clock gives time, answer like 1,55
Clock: 7,35
